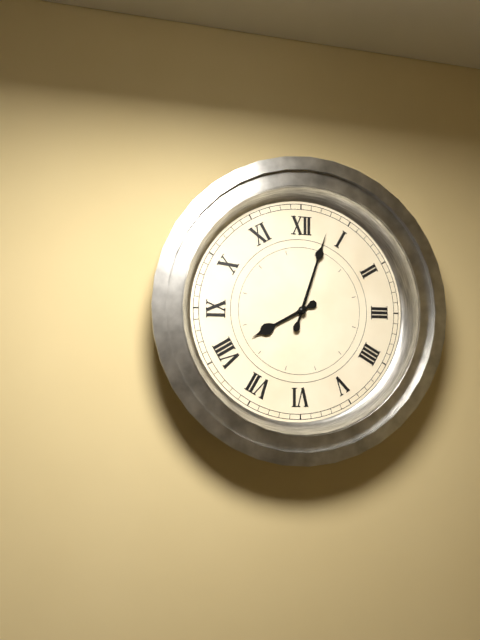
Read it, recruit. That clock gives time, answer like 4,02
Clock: 8,03
